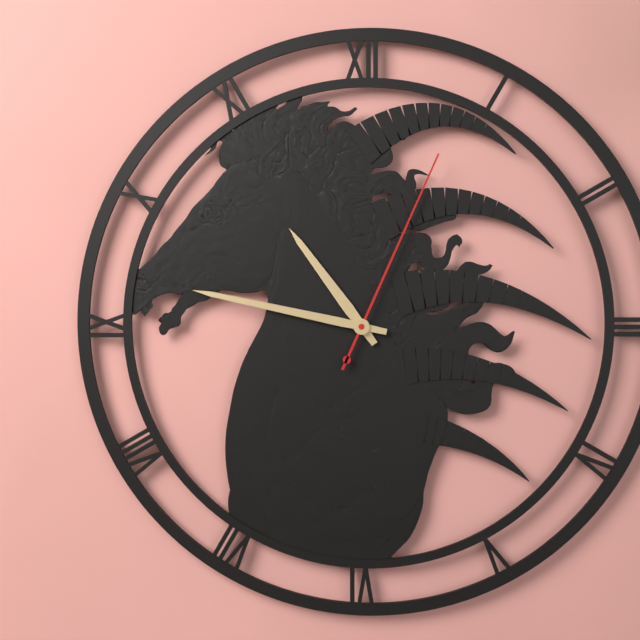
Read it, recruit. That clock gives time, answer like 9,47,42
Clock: 10,47,04
